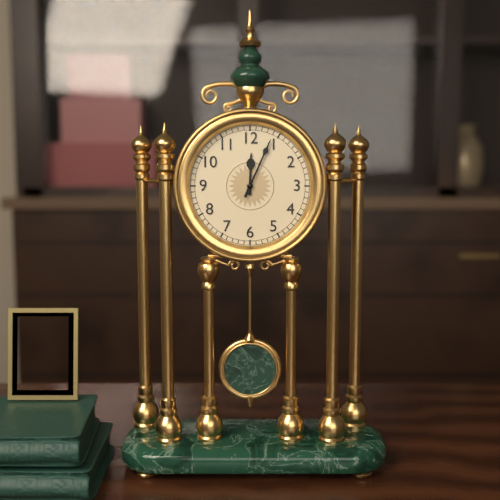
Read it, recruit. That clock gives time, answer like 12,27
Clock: 12,04
